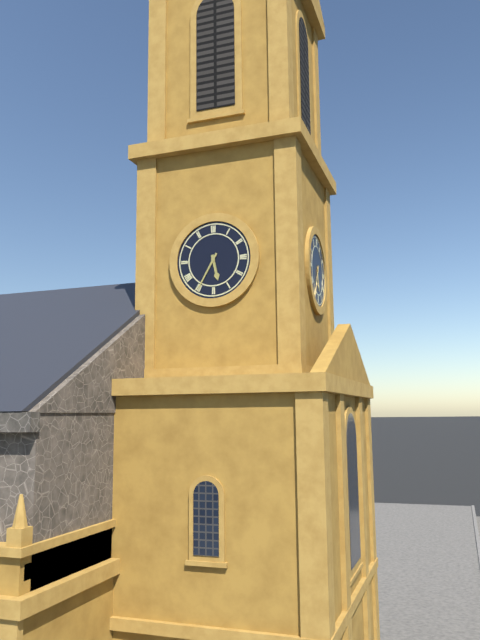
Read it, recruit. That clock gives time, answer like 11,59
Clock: 5,35
